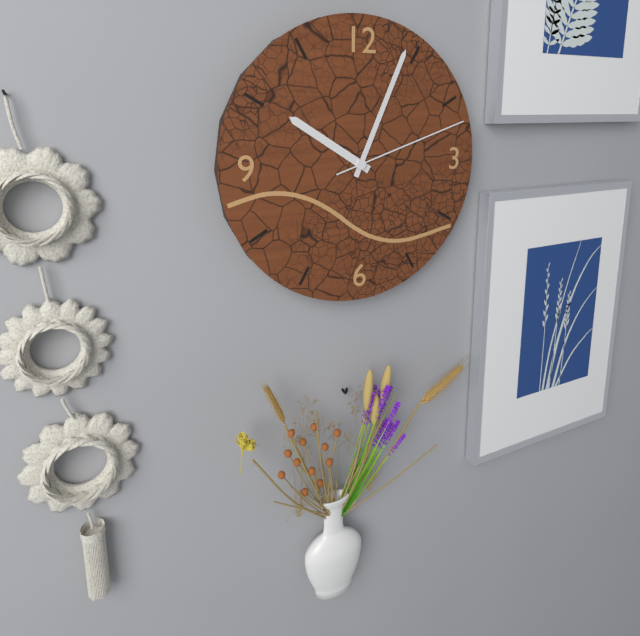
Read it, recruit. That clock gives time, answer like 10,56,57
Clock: 10,04,12
